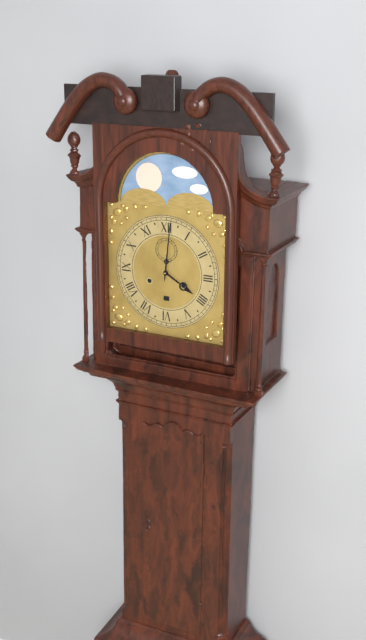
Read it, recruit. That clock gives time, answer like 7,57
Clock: 4,01
